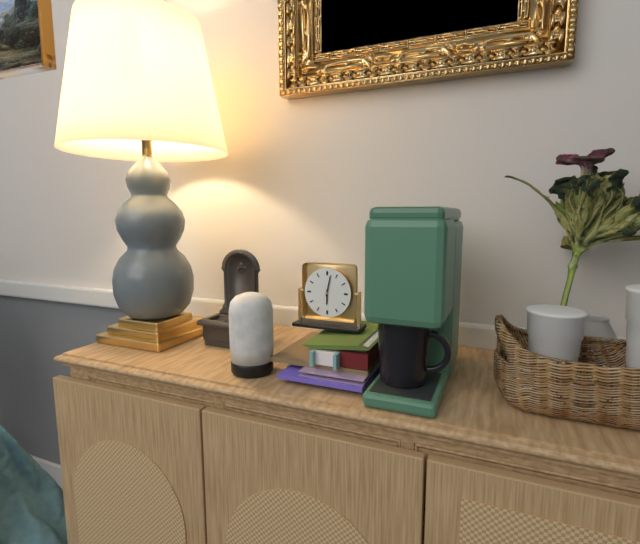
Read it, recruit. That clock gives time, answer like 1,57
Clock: 6,02
